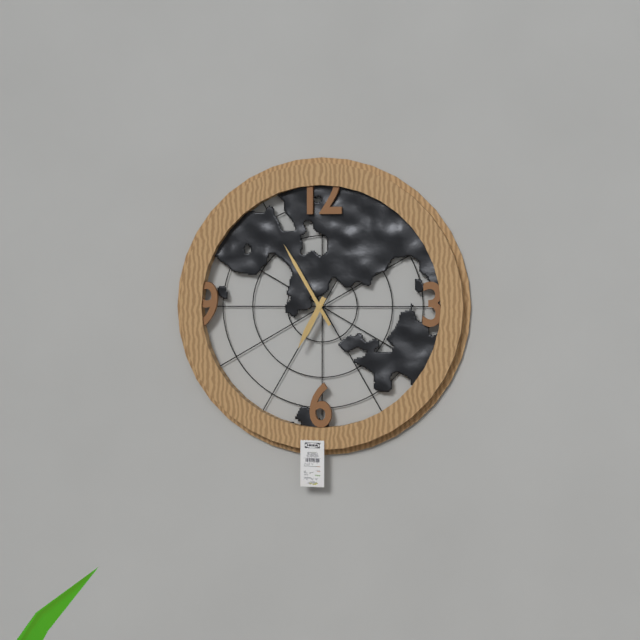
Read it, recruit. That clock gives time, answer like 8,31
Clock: 6,55
